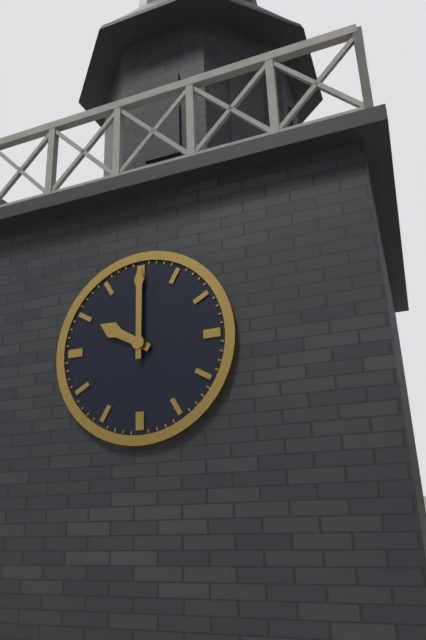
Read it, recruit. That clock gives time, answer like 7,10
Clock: 10,00
